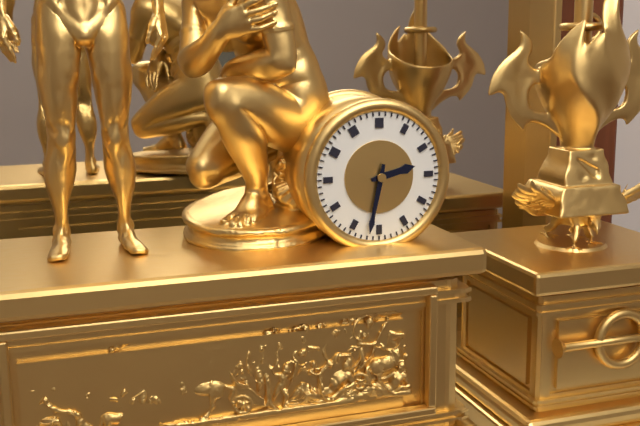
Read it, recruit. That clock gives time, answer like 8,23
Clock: 2,32
